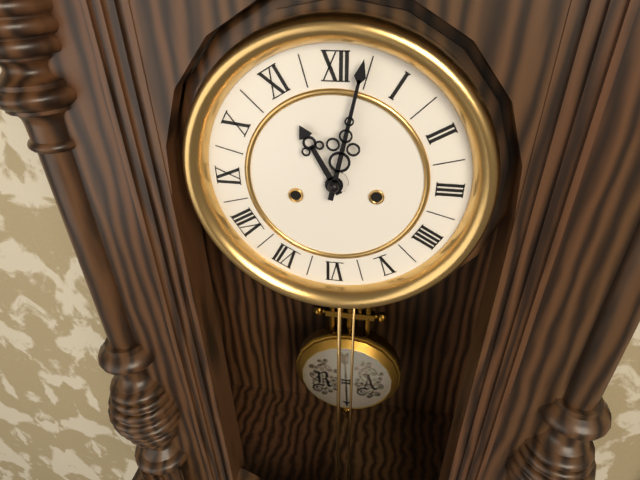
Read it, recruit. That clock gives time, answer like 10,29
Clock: 11,02
